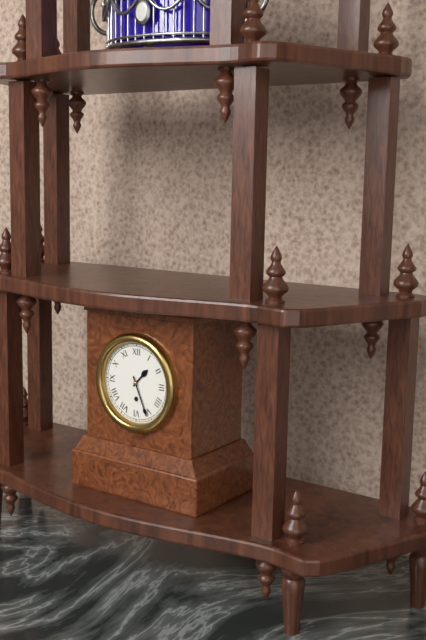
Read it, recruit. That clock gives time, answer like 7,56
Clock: 1,26
